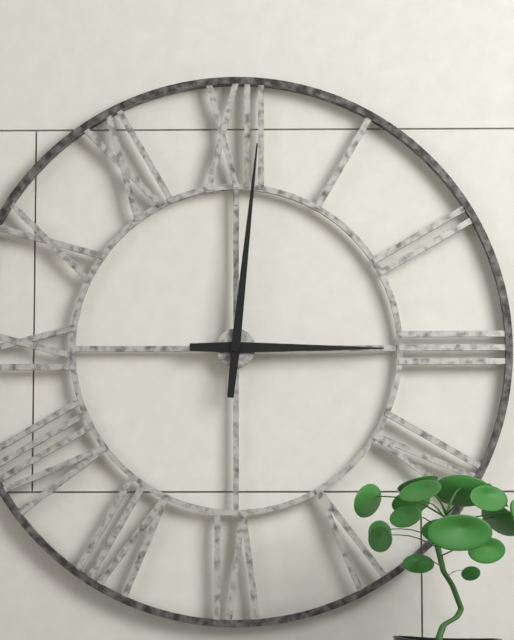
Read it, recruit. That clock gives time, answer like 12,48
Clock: 3,01
